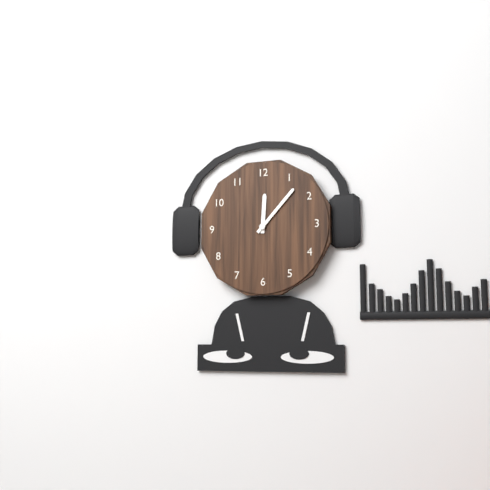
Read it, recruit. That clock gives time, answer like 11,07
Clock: 12,07
